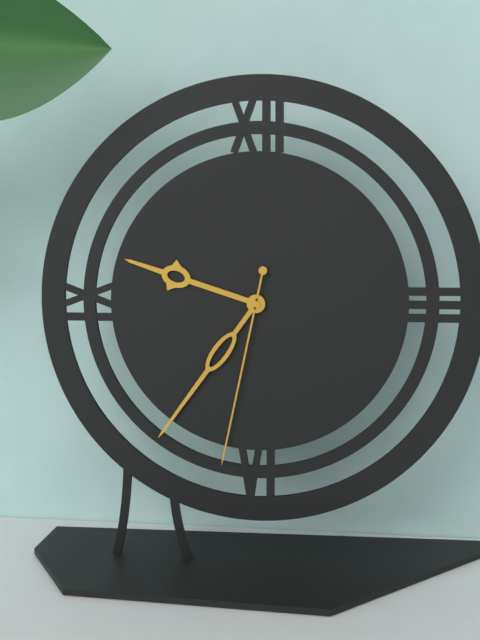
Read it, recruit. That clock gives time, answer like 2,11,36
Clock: 9,36,32
